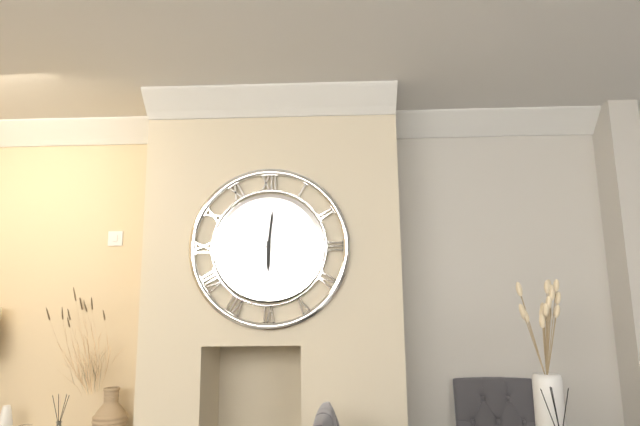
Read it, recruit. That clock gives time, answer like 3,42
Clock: 6,01
